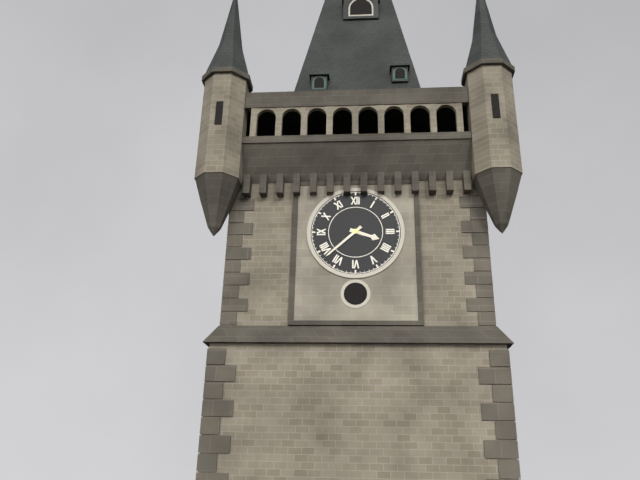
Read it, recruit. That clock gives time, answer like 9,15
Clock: 3,38
